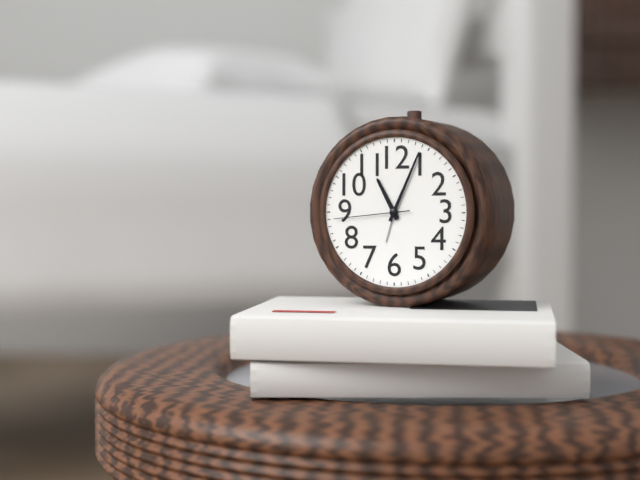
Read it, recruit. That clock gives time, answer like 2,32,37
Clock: 11,04,44
